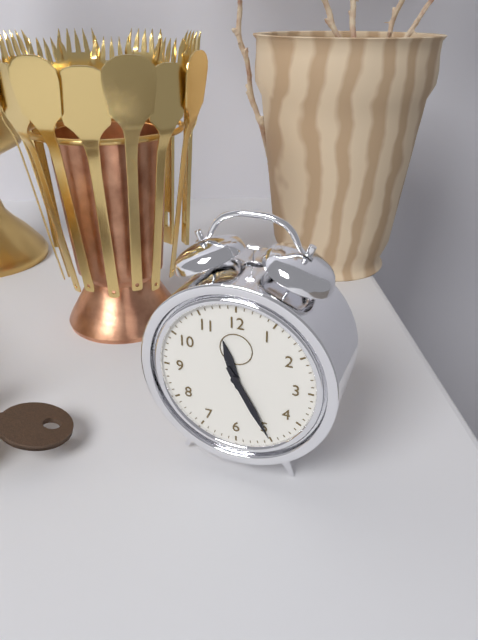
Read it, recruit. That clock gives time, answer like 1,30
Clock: 11,25
